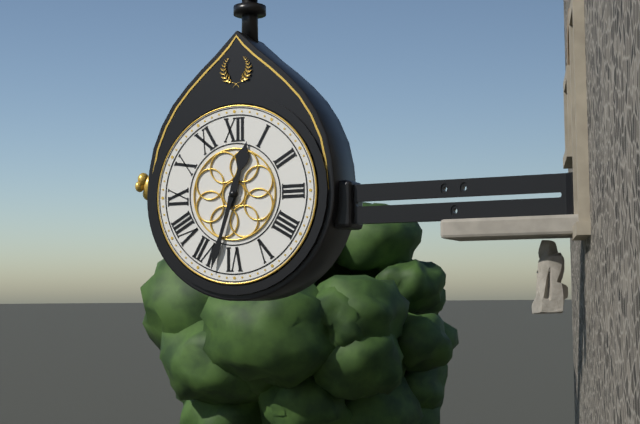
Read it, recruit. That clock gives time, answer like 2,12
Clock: 12,33
